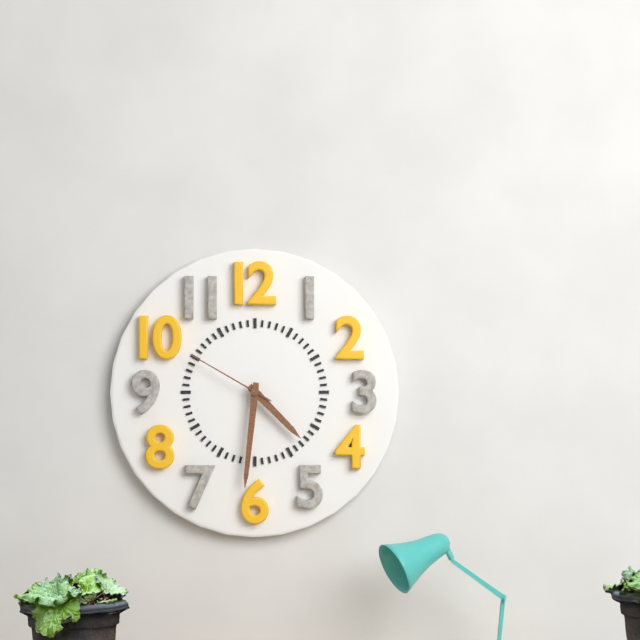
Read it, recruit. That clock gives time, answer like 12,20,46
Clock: 4,31,50
